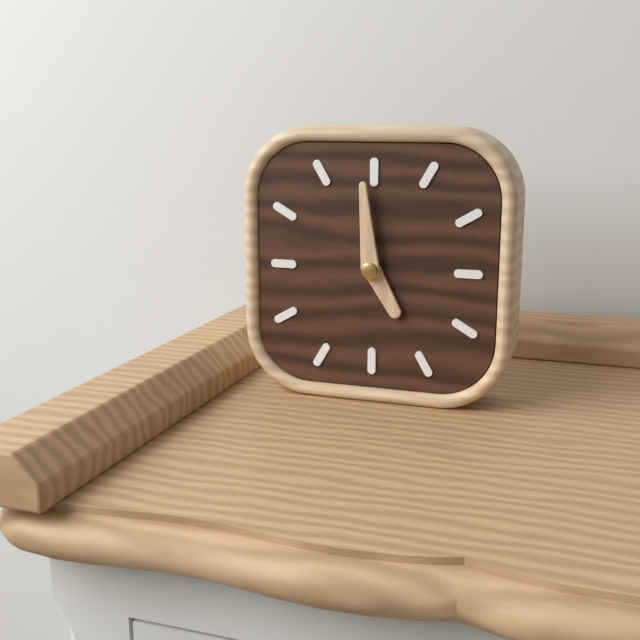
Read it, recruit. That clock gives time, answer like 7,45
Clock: 4,59
